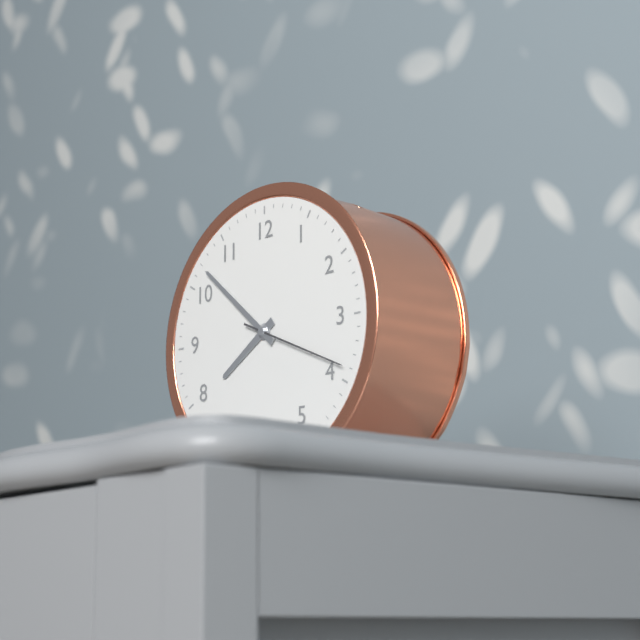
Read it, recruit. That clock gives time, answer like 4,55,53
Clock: 7,52,19
